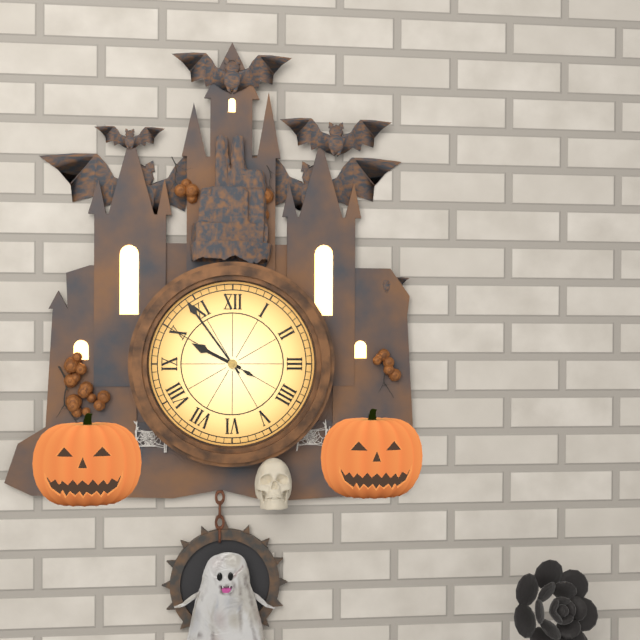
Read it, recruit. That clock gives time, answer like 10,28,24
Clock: 9,54,50
